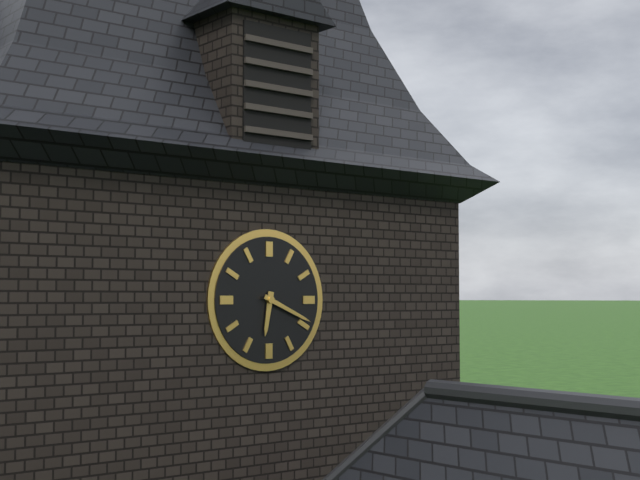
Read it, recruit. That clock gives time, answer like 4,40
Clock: 6,19
